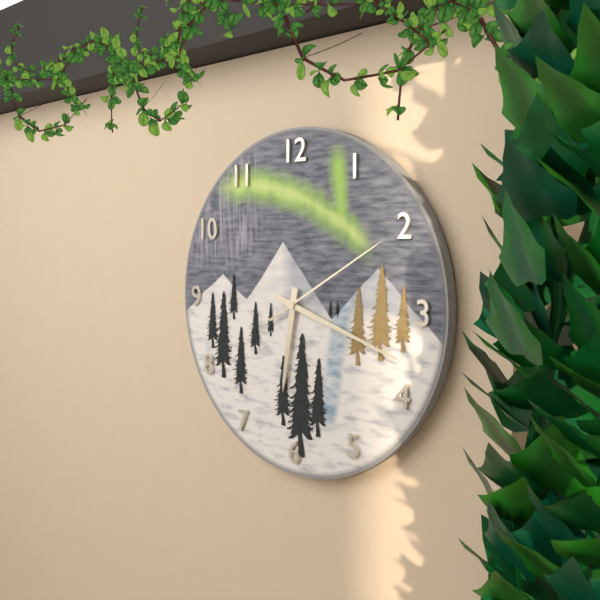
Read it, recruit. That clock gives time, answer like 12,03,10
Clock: 6,18,10
